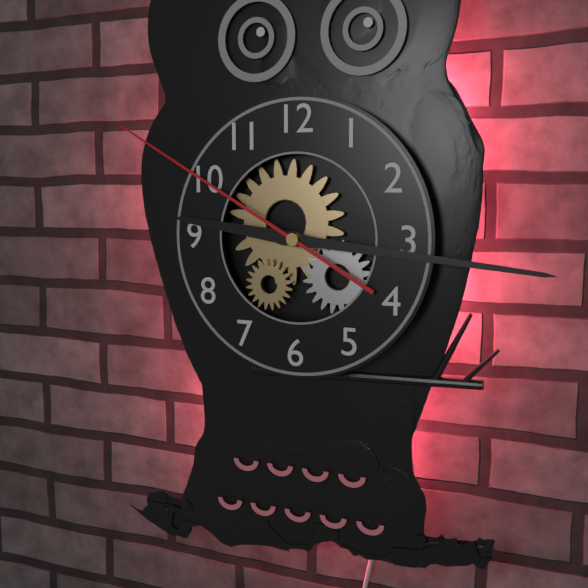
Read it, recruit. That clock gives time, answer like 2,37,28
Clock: 9,16,50
